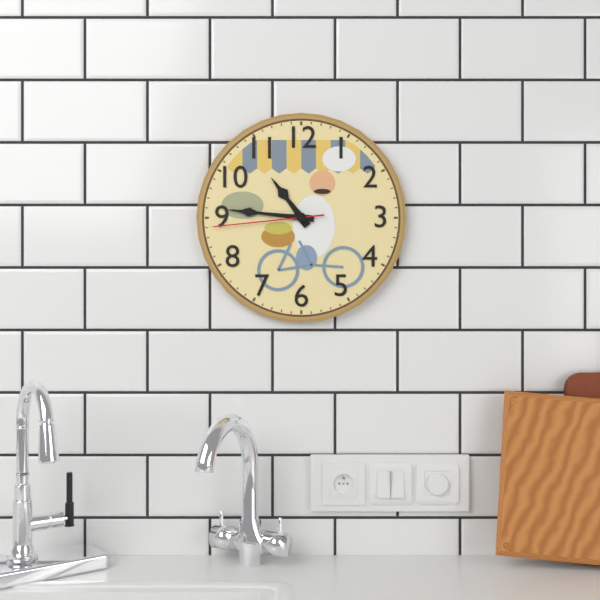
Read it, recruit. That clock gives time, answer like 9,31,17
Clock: 10,46,44
